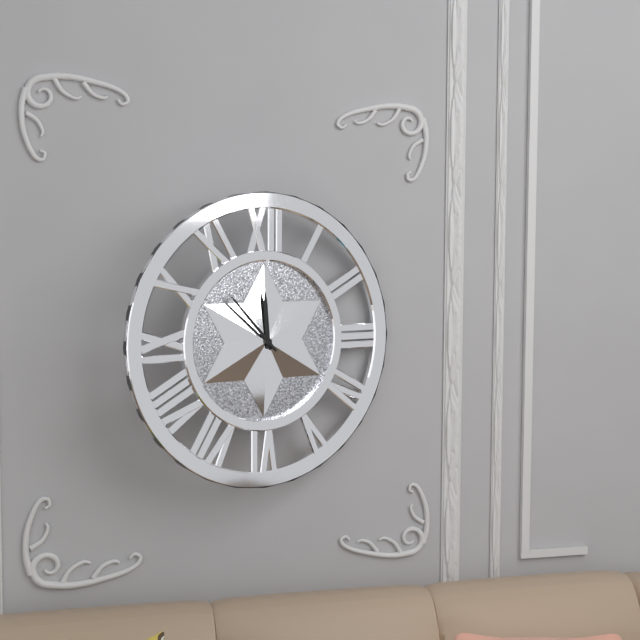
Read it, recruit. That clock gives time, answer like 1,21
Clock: 11,53
